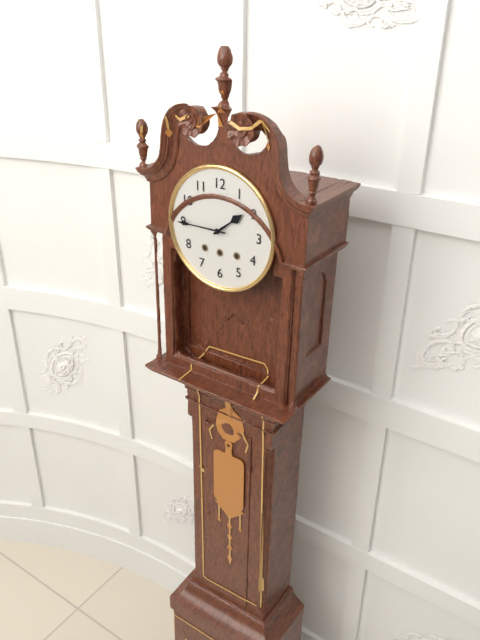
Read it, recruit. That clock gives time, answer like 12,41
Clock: 1,45
